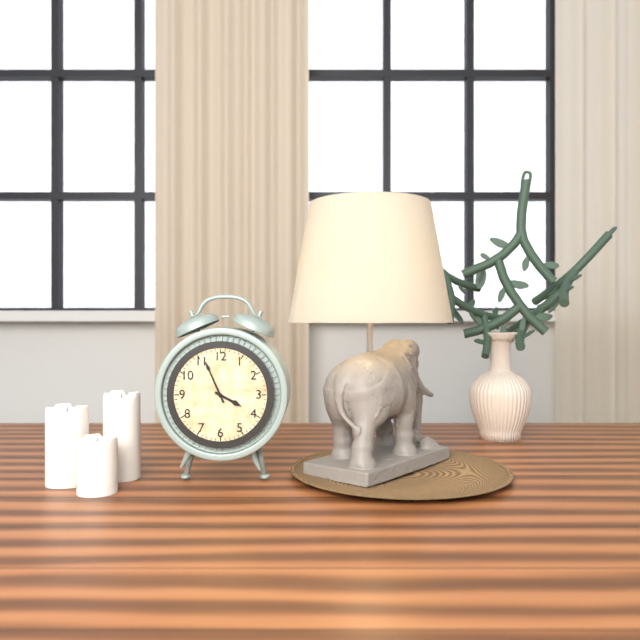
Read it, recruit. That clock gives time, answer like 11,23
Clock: 3,56
